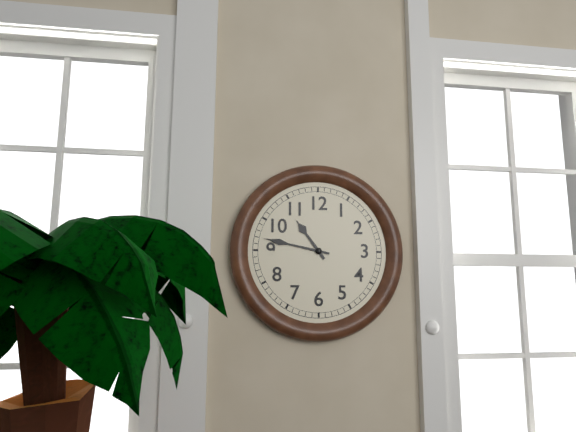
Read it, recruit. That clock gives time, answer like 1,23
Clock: 10,47
